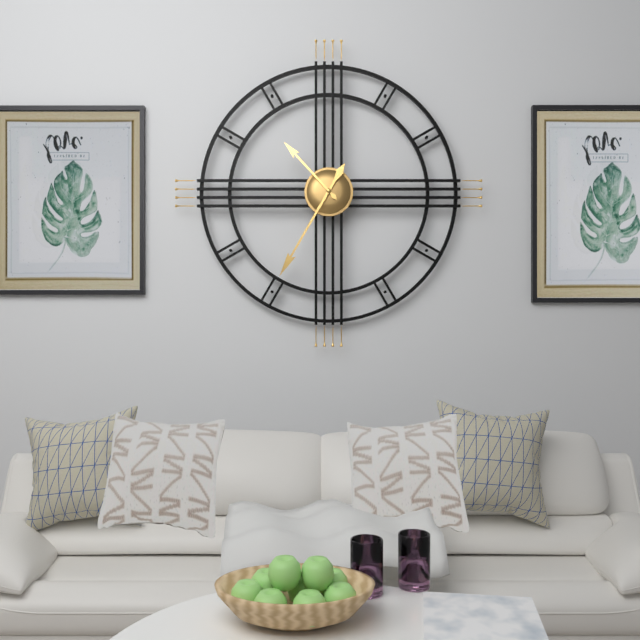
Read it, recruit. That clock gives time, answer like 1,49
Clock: 10,35
